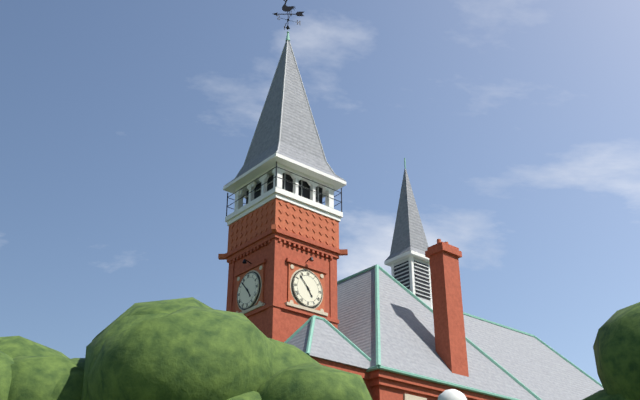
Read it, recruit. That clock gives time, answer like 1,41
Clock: 4,53
